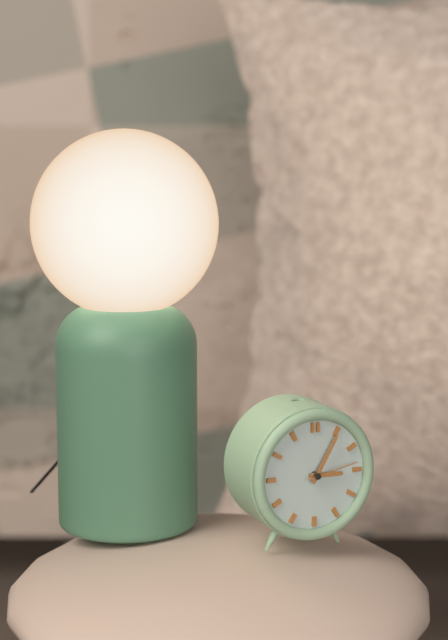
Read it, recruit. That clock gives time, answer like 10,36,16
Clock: 3,05,13
